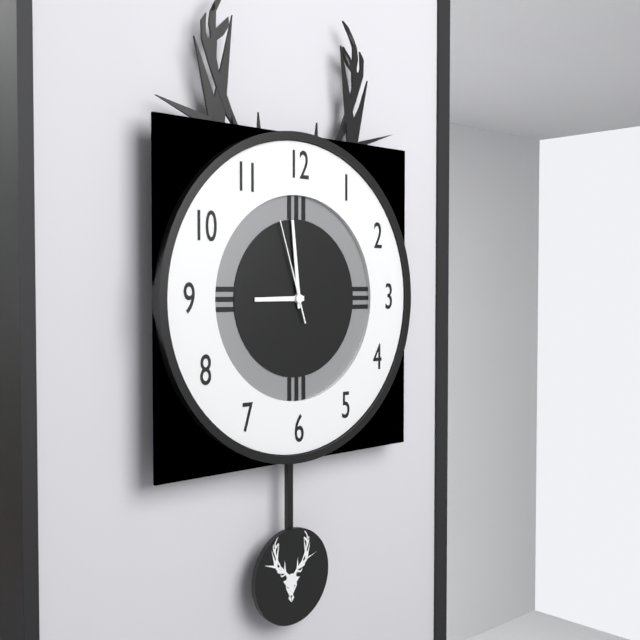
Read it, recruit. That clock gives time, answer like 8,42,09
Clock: 8,59,57
